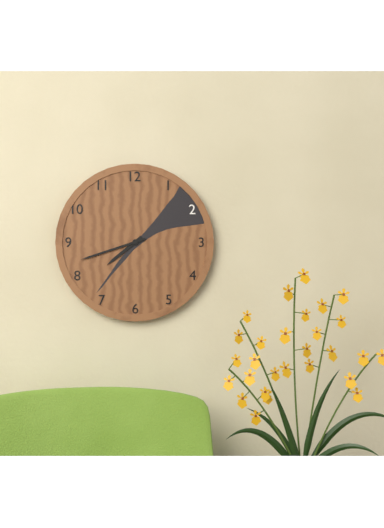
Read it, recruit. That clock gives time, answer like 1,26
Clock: 7,42
